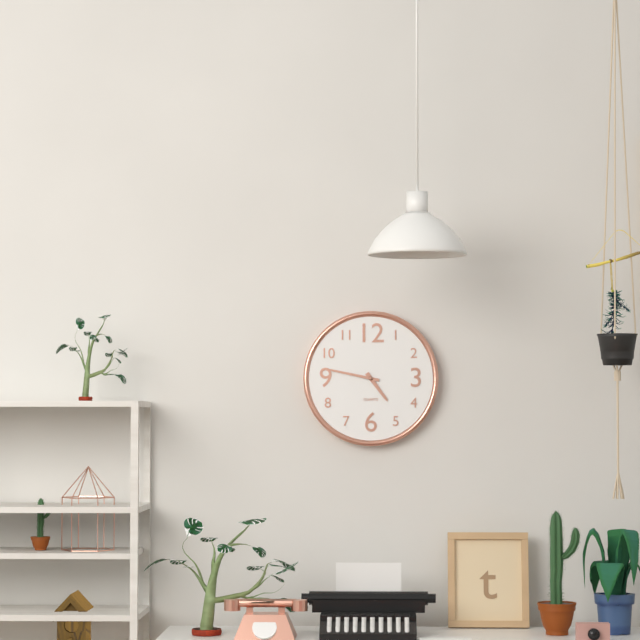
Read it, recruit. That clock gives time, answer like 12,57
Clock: 4,47
